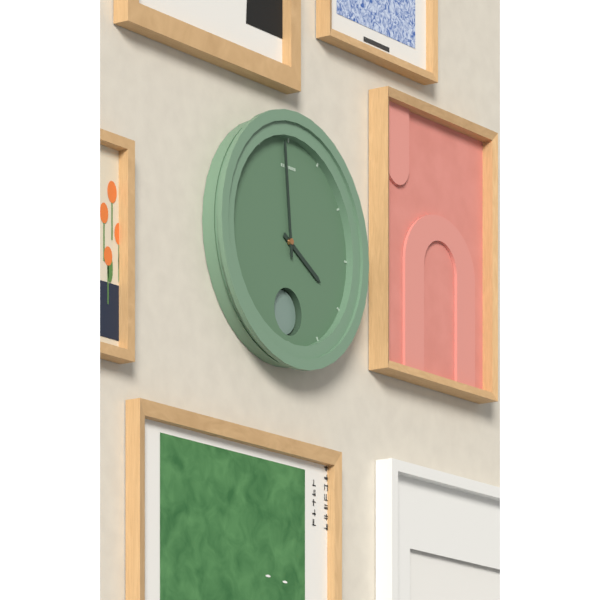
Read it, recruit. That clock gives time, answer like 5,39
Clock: 3,59
